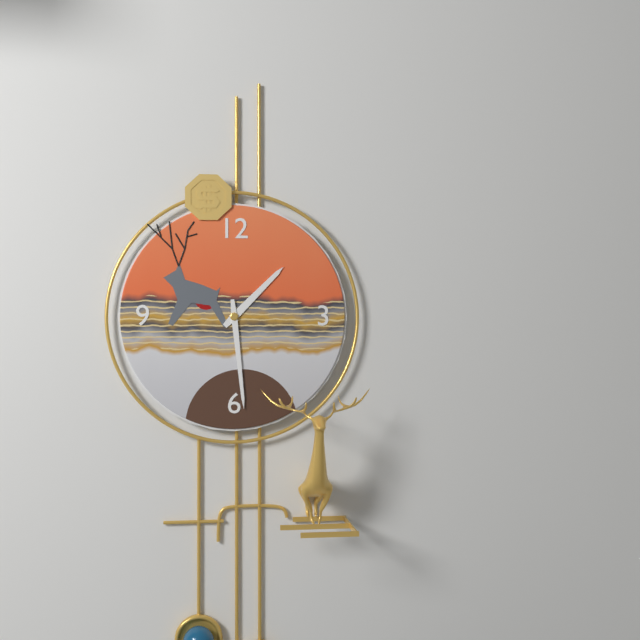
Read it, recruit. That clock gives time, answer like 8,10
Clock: 1,29
